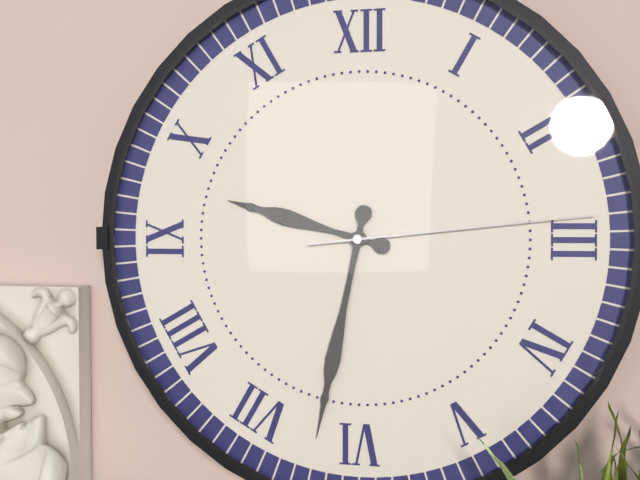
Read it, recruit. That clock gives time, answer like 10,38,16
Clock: 9,32,14
